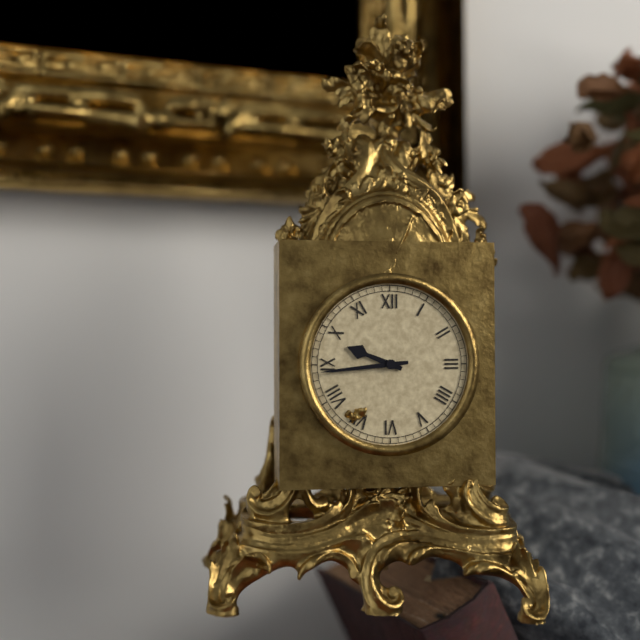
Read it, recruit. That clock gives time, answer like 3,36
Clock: 9,44
